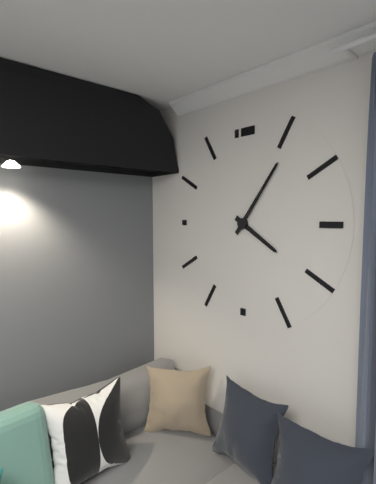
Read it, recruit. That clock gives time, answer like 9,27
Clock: 4,06
